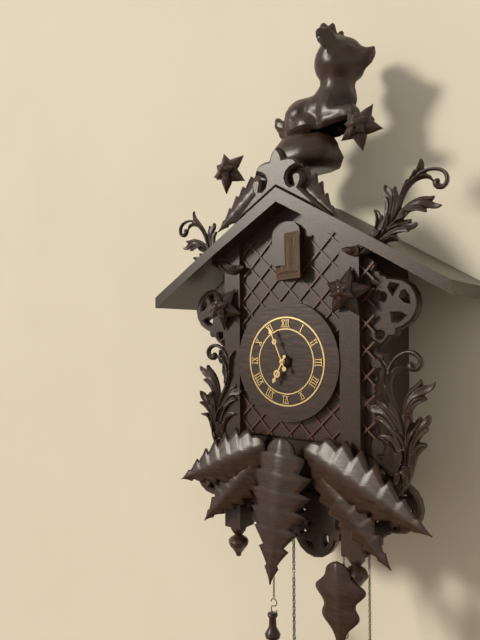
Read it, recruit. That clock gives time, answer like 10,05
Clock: 6,56
